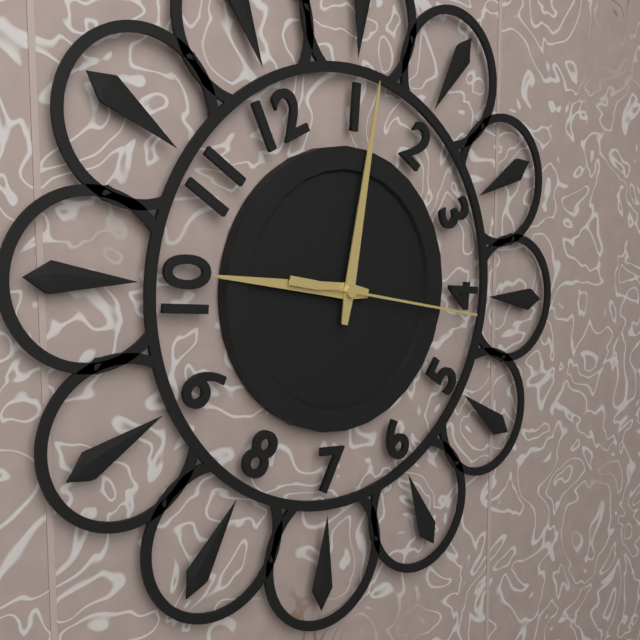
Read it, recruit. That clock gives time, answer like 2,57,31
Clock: 10,06,21
